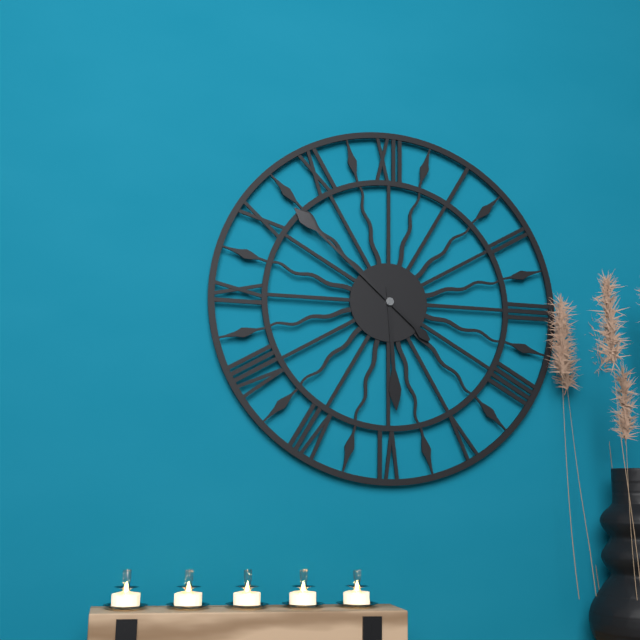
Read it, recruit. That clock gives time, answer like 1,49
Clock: 5,52
